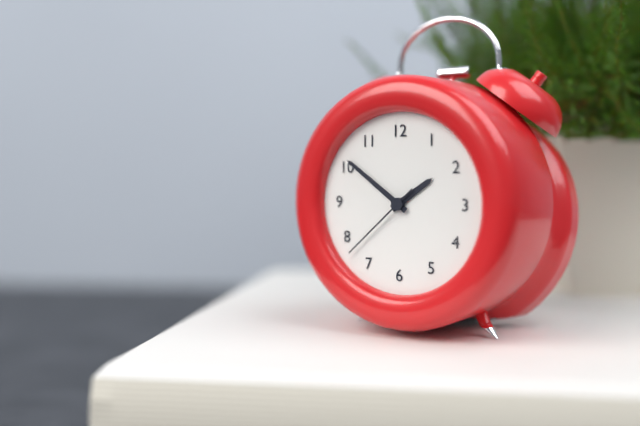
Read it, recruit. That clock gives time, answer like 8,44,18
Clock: 1,51,38
